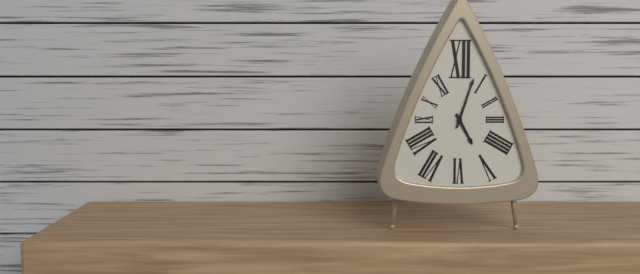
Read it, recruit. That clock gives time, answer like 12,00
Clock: 5,03
